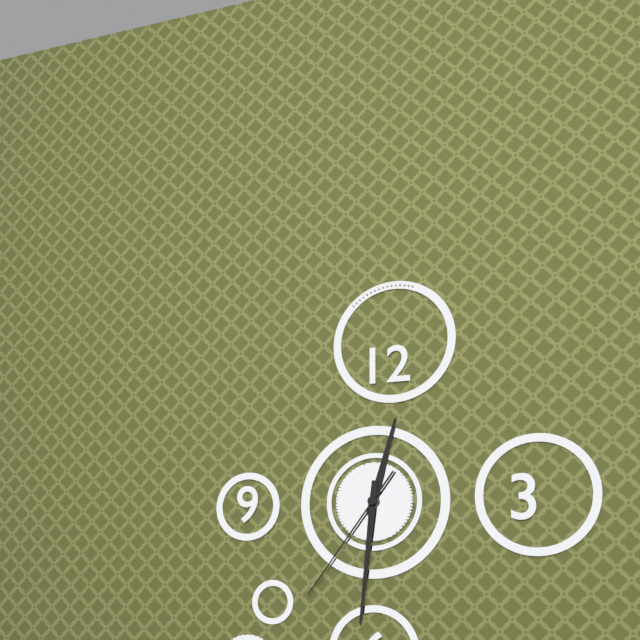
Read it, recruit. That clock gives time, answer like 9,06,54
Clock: 12,31,36
